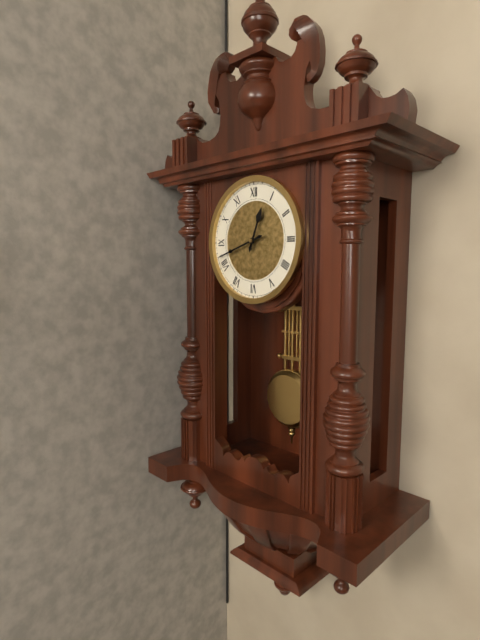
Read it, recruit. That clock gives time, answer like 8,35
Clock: 12,42
